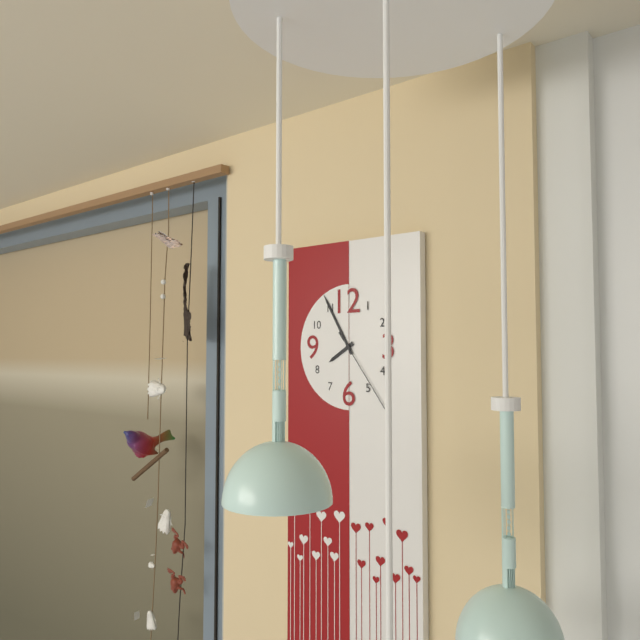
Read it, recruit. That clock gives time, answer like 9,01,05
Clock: 7,55,24
